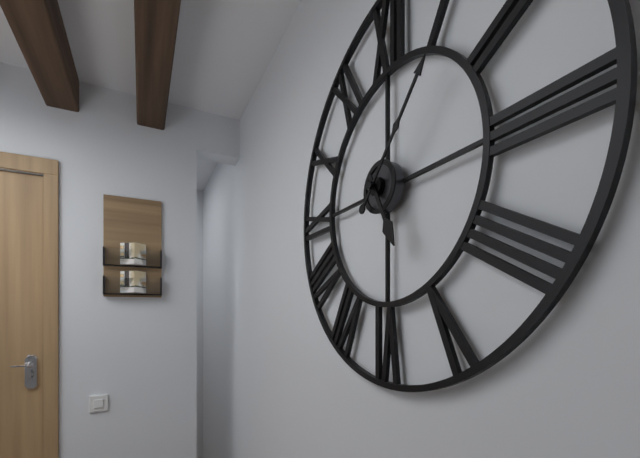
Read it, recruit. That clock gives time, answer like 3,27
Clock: 5,07
